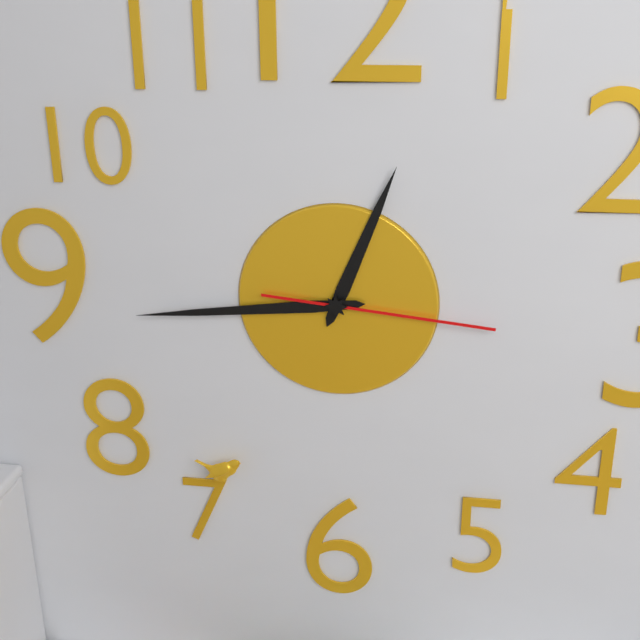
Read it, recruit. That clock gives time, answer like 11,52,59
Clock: 12,44,16
